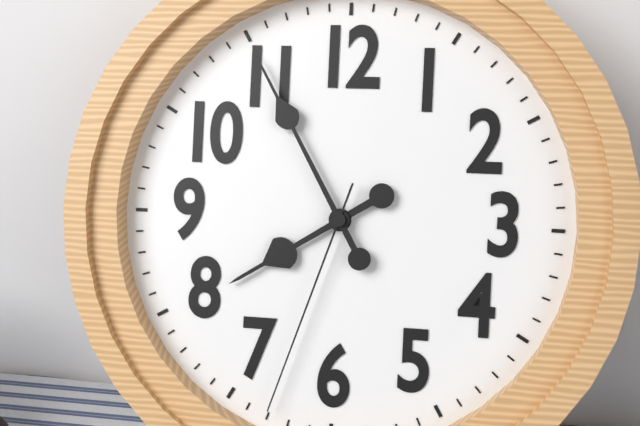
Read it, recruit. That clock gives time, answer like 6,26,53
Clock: 7,55,33
